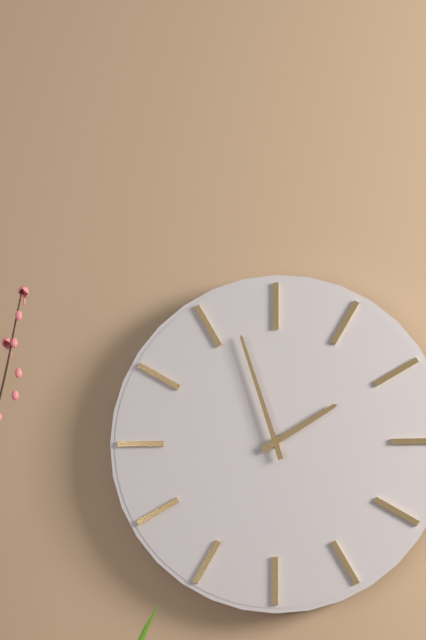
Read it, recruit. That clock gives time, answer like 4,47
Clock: 1,57
